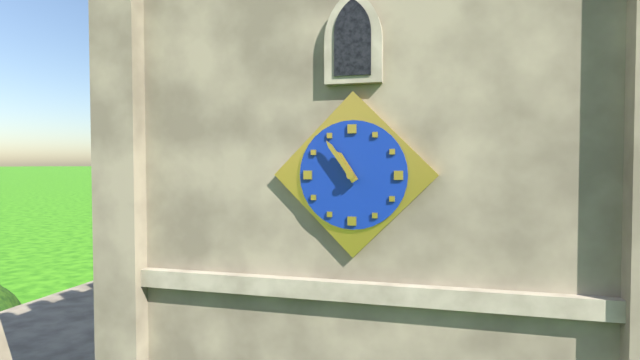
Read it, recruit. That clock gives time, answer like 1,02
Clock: 10,54
